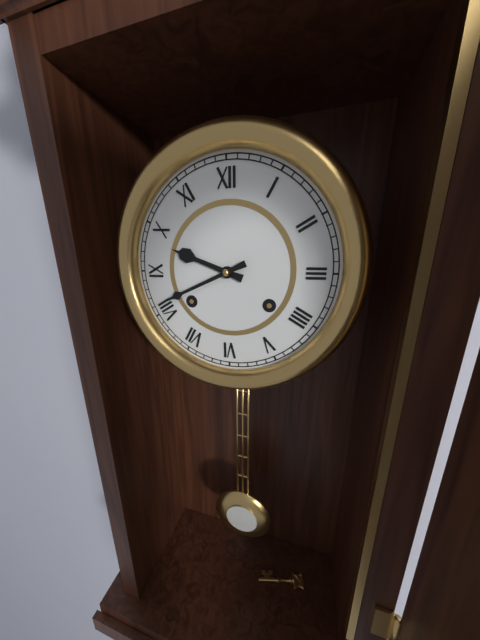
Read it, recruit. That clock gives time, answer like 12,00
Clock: 9,41
